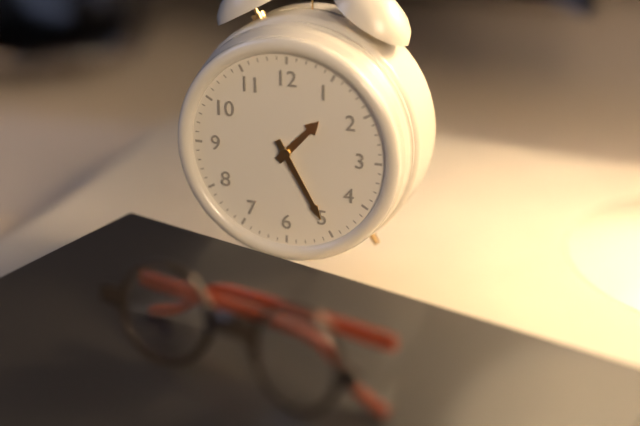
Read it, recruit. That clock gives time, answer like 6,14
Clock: 1,25
